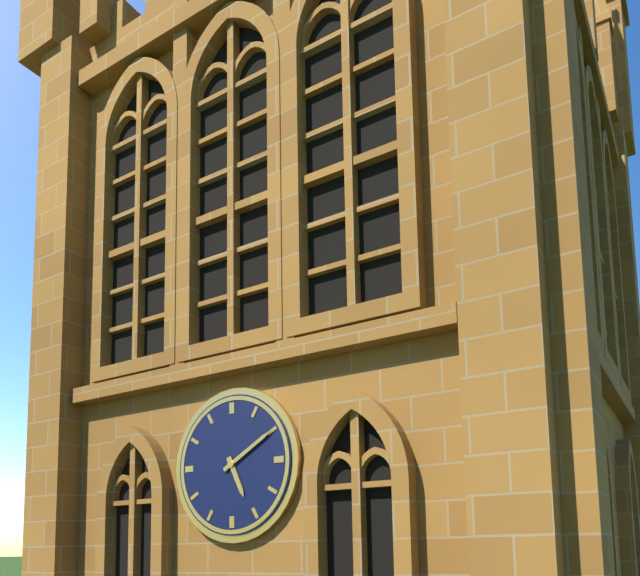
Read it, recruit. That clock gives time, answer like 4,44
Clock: 5,10
